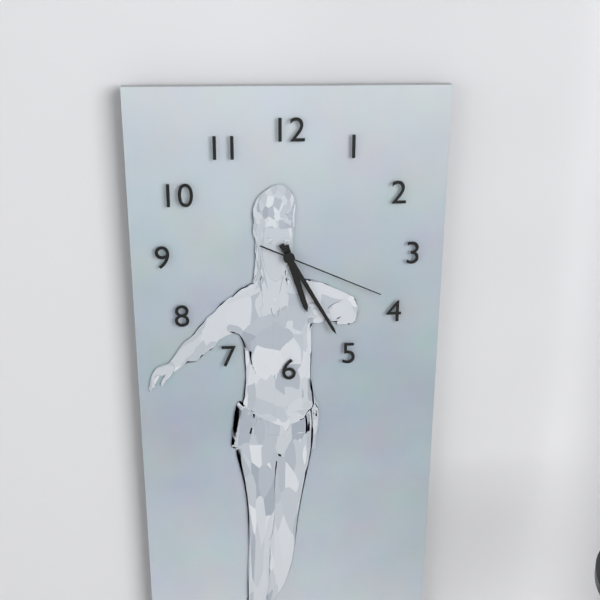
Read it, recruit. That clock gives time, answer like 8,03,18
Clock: 5,25,19
